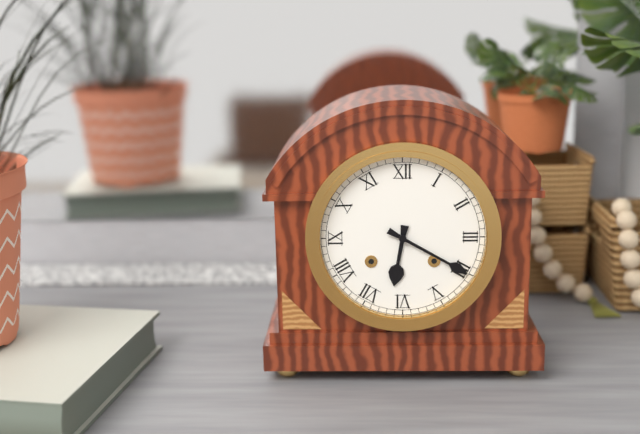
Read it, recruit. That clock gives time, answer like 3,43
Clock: 6,20
